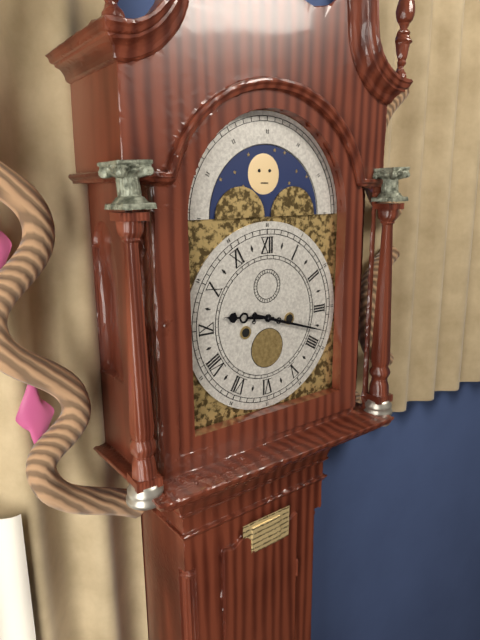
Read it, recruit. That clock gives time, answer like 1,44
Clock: 9,18
